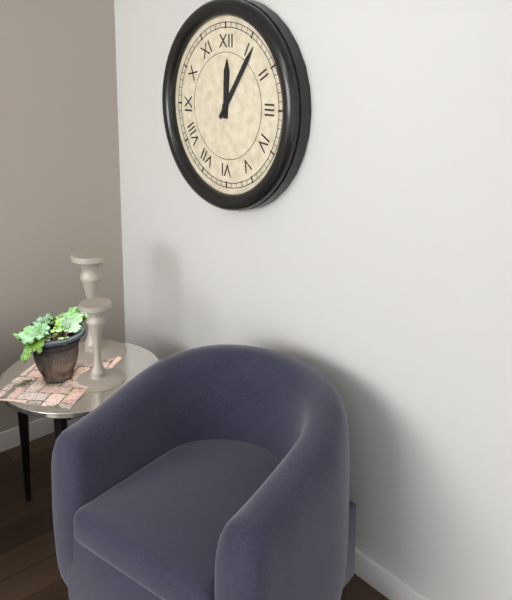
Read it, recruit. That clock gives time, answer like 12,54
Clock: 12,06
